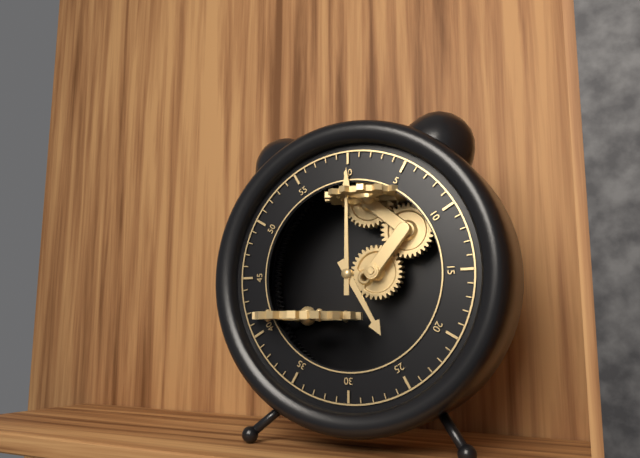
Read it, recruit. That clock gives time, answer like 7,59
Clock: 5,00
